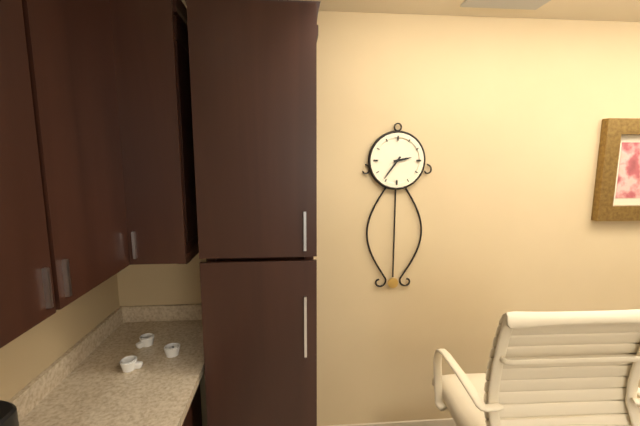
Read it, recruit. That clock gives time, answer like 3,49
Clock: 2,36
